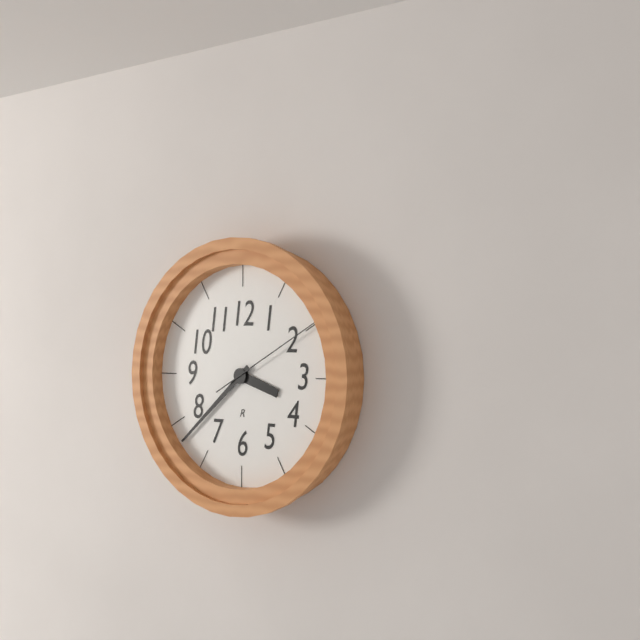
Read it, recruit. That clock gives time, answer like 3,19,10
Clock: 3,38,10
